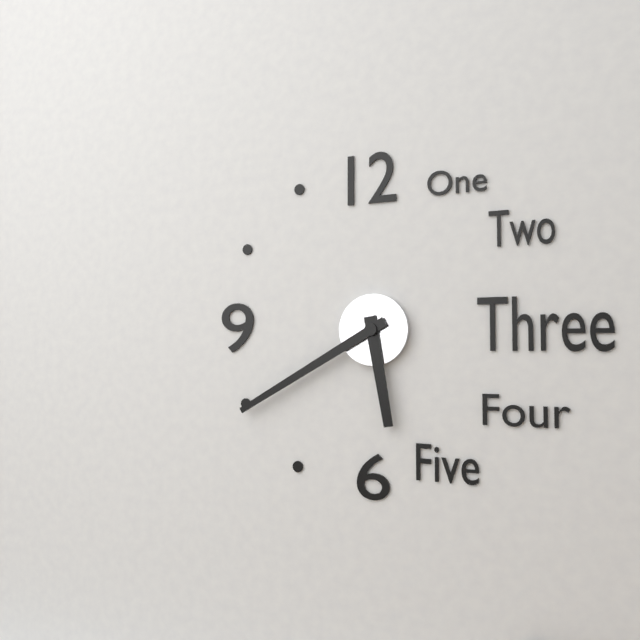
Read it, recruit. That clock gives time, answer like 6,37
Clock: 5,40
